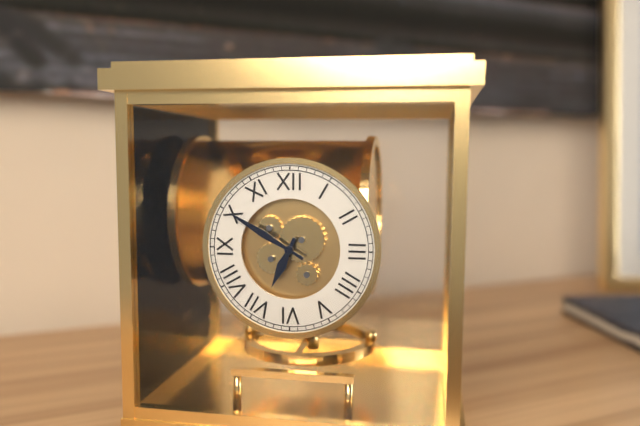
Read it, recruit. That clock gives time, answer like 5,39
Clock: 6,50
